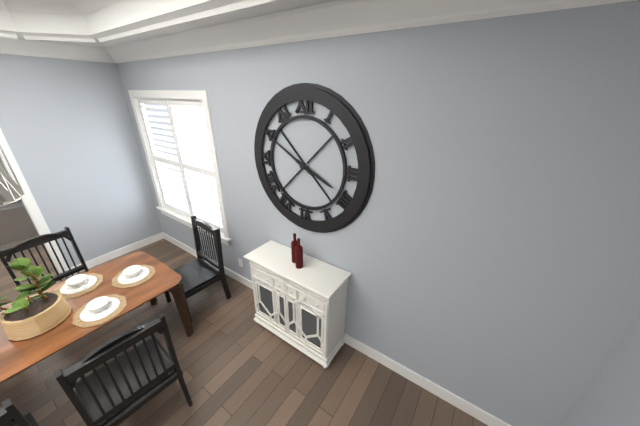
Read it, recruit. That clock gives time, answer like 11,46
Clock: 3,50
